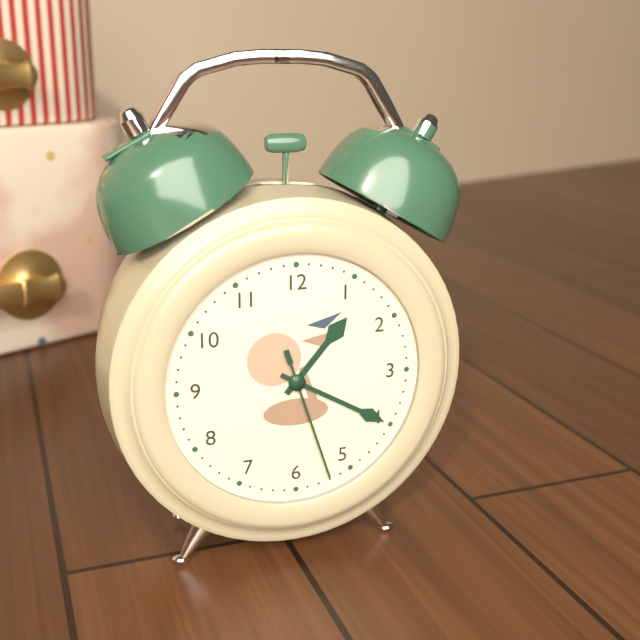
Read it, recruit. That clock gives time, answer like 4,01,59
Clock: 1,20,27
